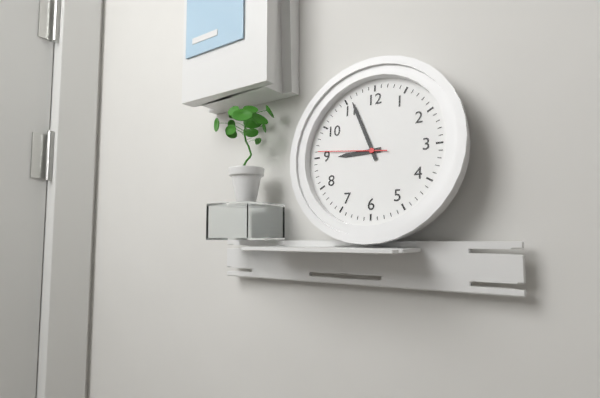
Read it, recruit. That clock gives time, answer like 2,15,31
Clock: 8,56,46
